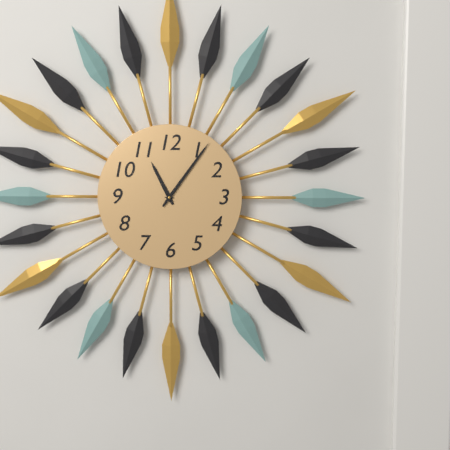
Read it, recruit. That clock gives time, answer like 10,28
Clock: 11,06
